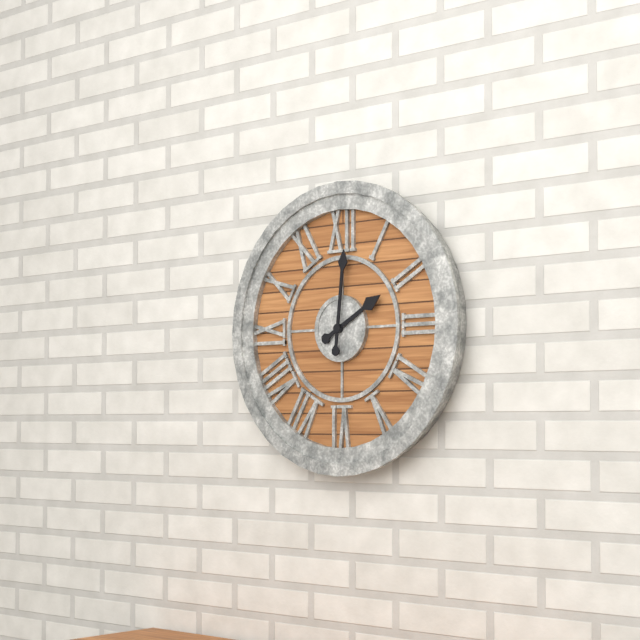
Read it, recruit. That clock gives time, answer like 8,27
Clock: 2,01
